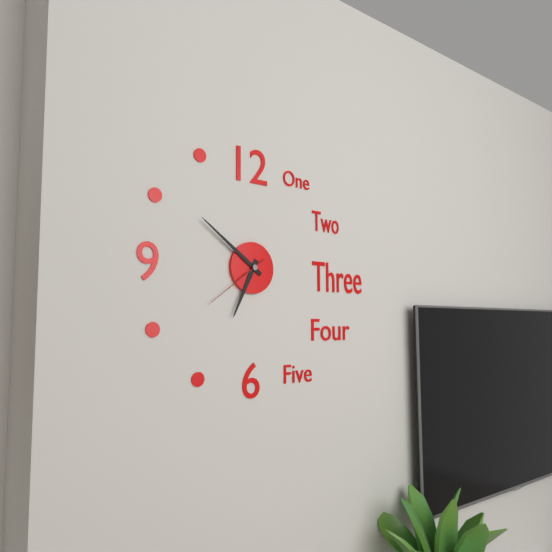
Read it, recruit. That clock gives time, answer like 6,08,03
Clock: 6,51,39
